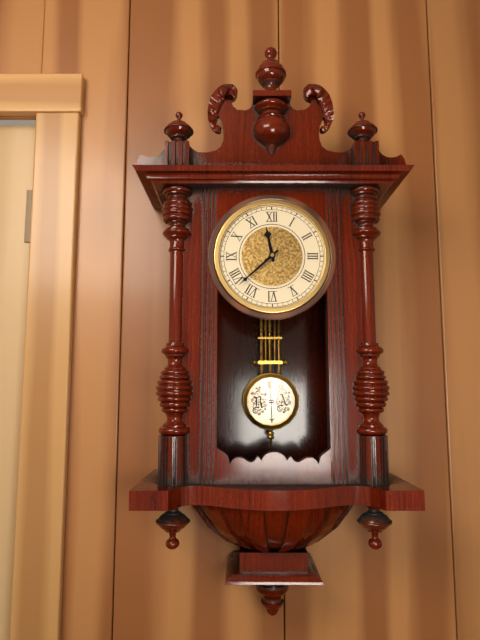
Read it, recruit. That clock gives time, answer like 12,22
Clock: 11,38
